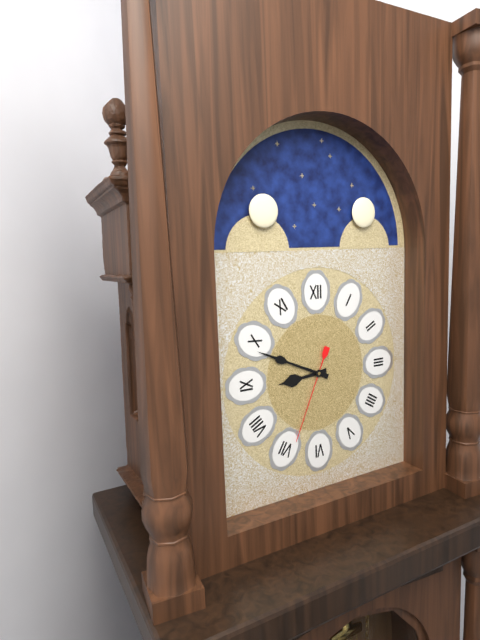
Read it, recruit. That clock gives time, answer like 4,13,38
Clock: 8,49,34
